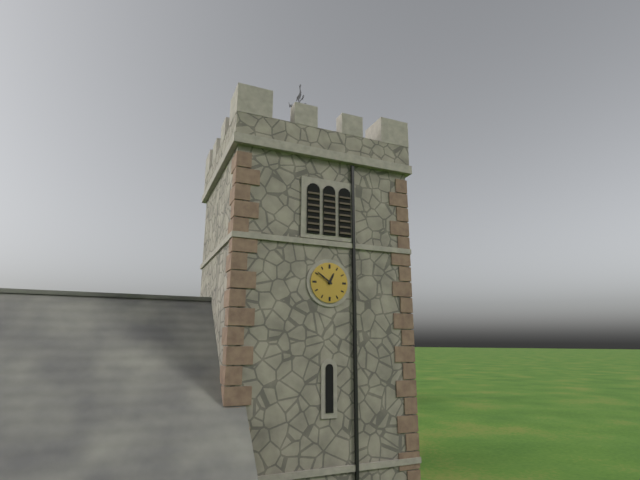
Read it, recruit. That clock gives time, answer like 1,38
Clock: 12,51
